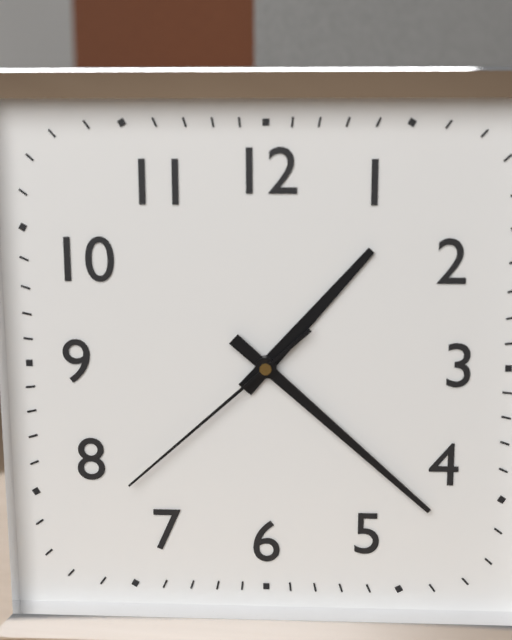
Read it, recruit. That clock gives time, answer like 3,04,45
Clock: 1,22,38
